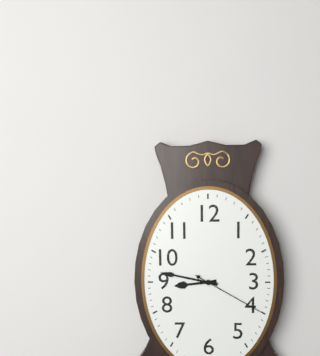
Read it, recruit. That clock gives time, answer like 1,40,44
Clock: 8,47,20
